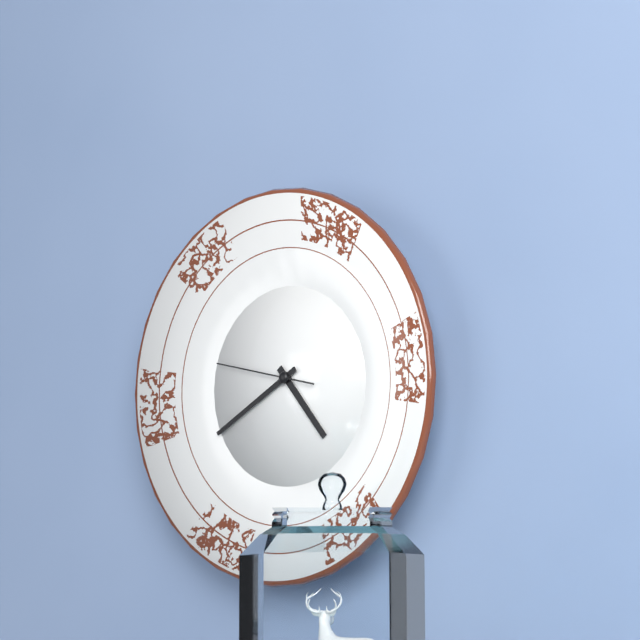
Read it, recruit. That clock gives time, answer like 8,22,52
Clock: 4,40,47
